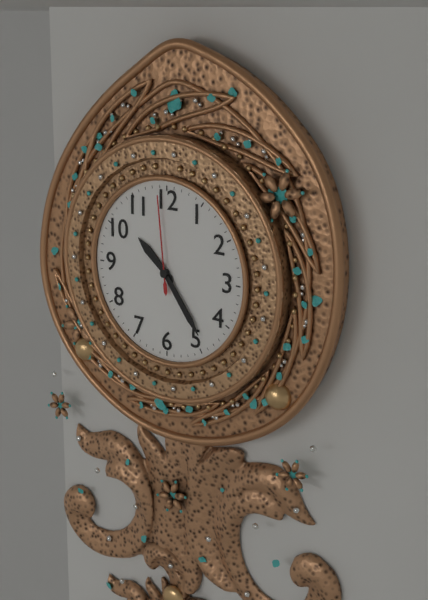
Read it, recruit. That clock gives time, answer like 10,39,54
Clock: 10,24,59
